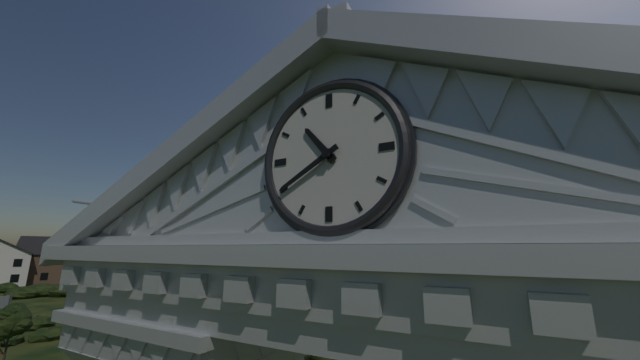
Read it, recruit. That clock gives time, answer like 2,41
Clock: 10,40
